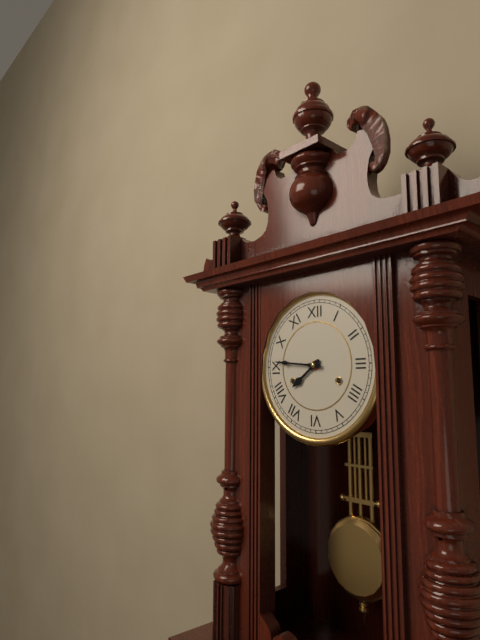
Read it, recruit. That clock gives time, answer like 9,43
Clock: 7,46
